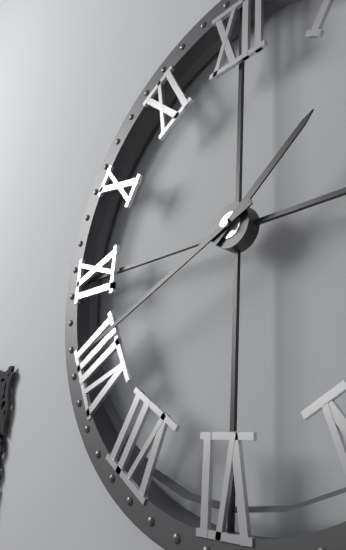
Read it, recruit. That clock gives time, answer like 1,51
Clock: 1,41
